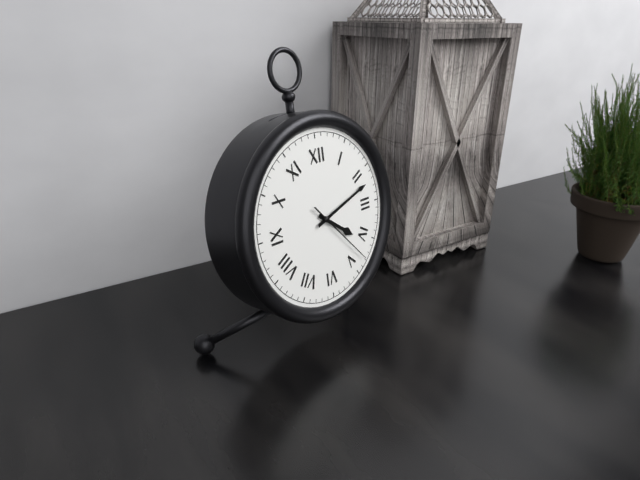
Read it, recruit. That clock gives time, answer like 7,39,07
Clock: 4,12,23
